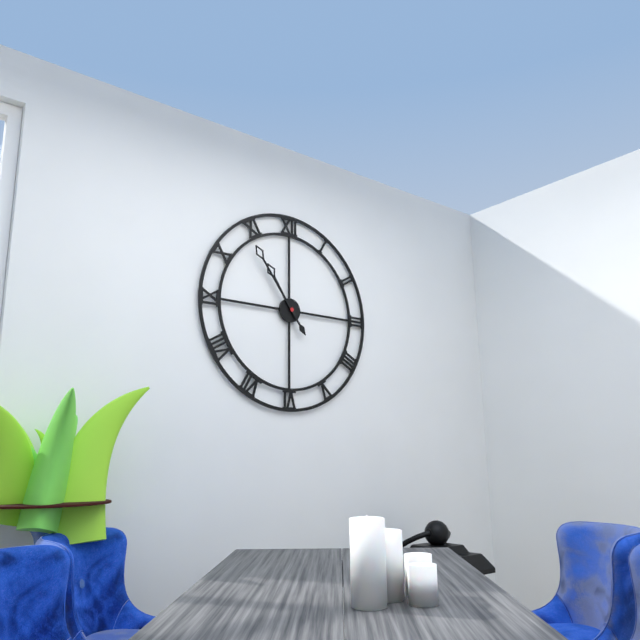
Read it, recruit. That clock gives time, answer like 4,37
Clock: 10,54
